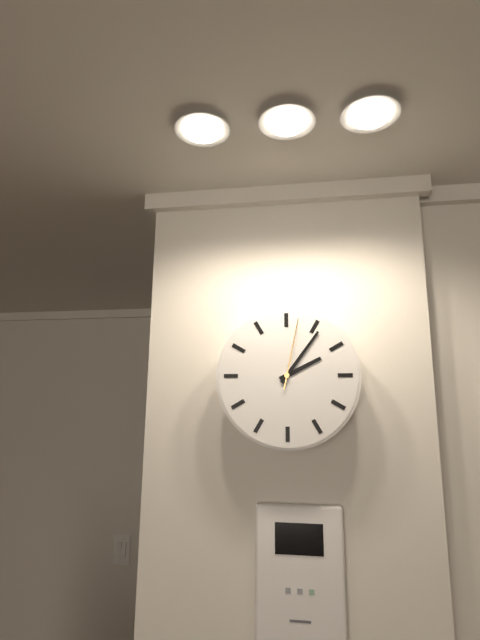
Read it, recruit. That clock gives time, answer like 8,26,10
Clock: 2,06,02
